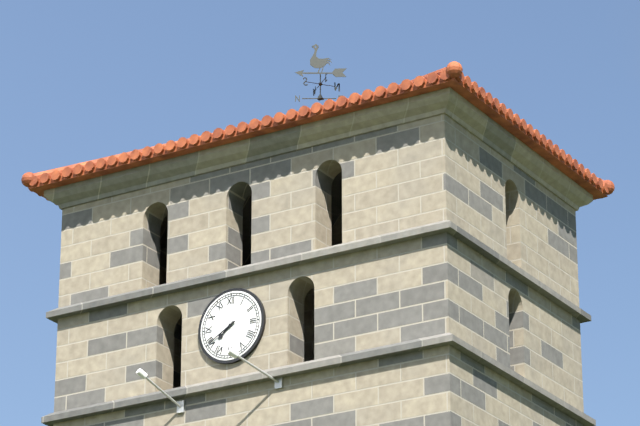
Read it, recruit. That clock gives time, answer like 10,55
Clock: 7,40
